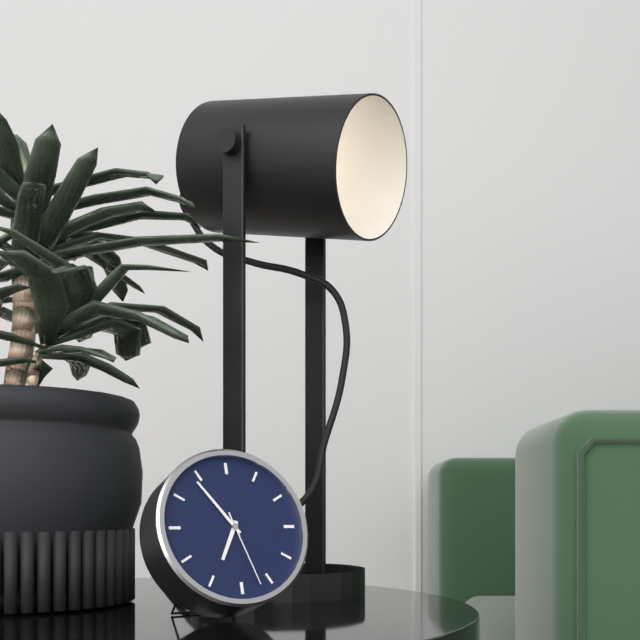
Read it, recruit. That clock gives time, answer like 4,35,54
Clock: 6,54,27
